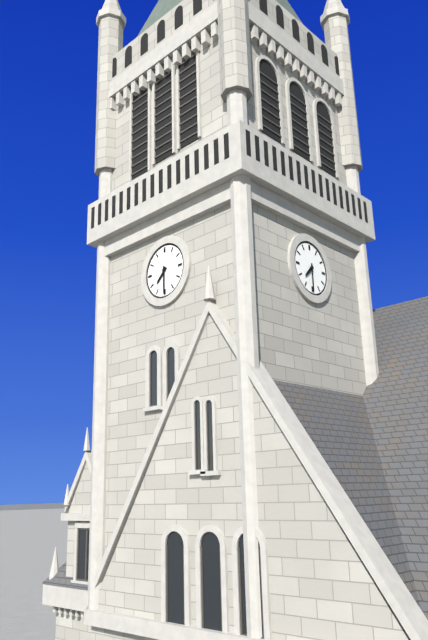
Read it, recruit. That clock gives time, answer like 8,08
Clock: 7,30
